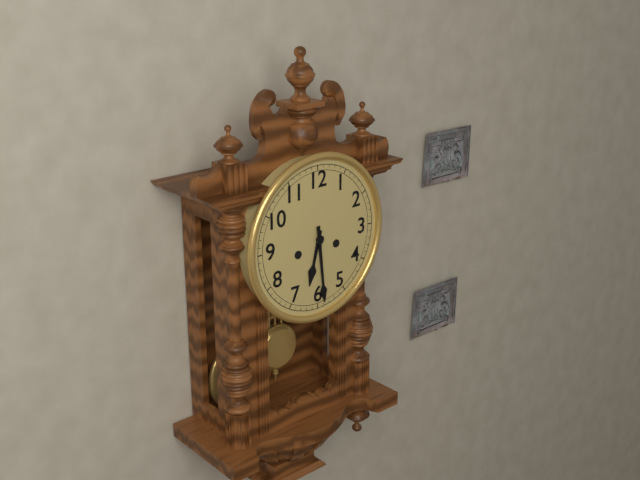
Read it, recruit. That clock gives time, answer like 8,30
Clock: 6,29
